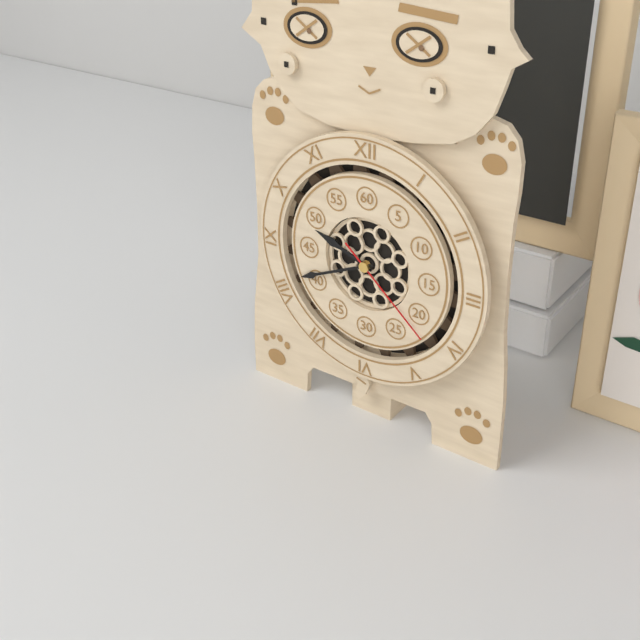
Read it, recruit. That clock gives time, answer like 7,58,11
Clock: 9,41,22
